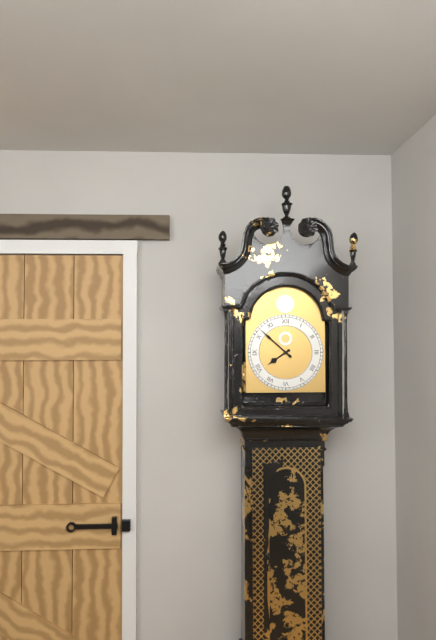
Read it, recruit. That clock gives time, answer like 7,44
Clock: 7,52
